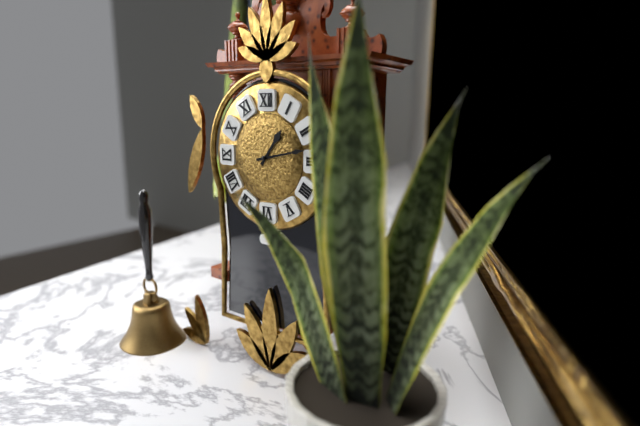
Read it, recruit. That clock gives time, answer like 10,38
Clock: 1,13
